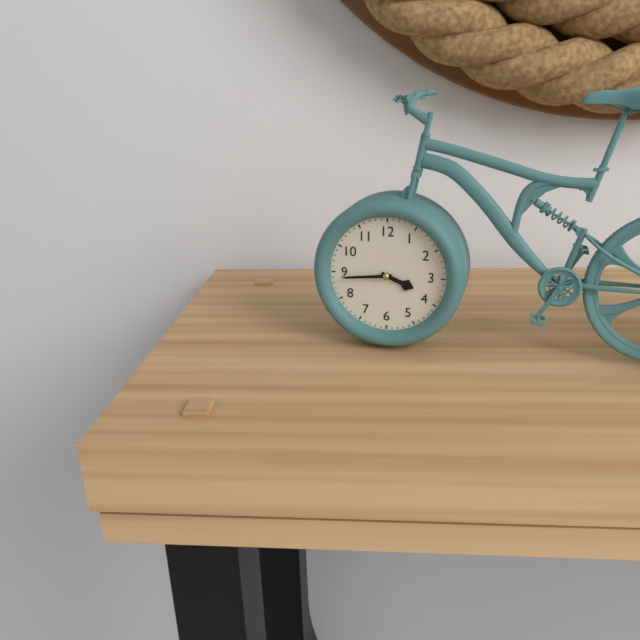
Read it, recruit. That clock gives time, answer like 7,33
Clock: 3,44
